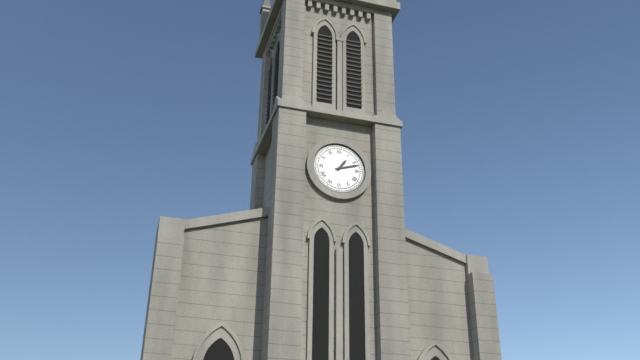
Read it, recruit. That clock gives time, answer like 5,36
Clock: 1,12
